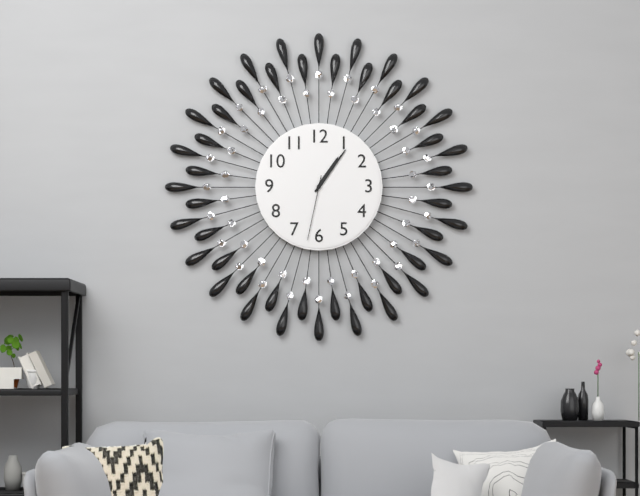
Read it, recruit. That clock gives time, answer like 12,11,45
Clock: 1,06,32
